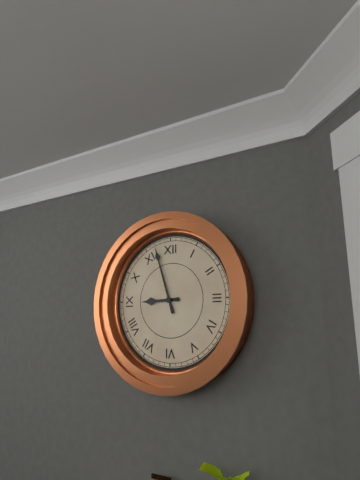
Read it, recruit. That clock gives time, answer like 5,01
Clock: 8,57
